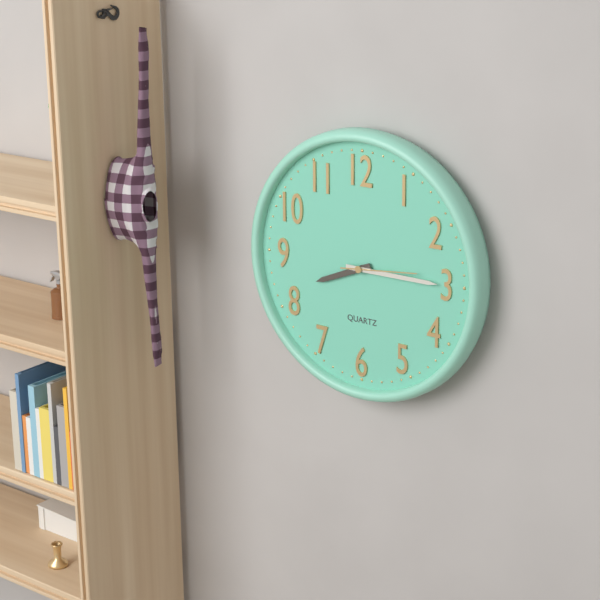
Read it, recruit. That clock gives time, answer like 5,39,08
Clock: 8,15,14
